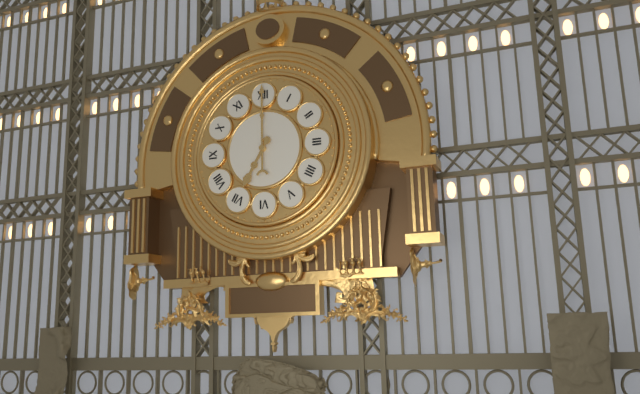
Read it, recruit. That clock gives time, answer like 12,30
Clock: 7,00
